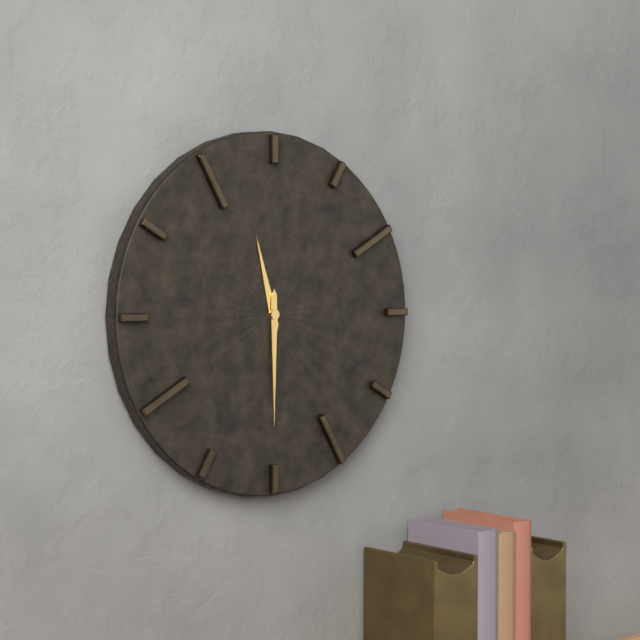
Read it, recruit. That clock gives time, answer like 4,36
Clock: 11,30
